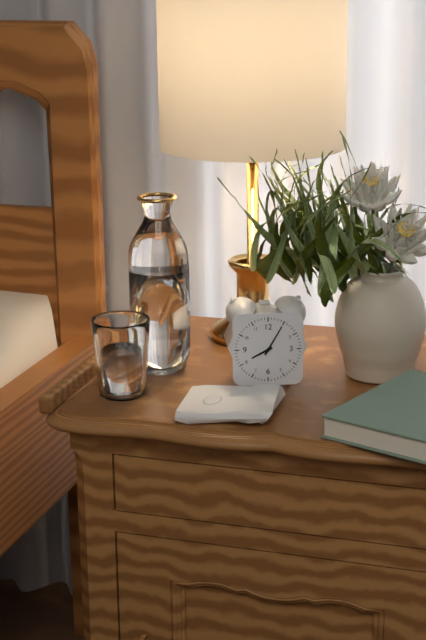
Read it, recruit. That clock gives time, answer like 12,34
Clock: 8,05
